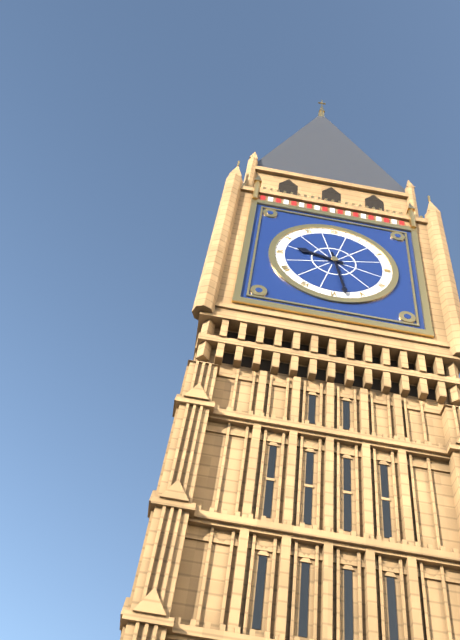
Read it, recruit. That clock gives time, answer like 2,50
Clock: 9,28
